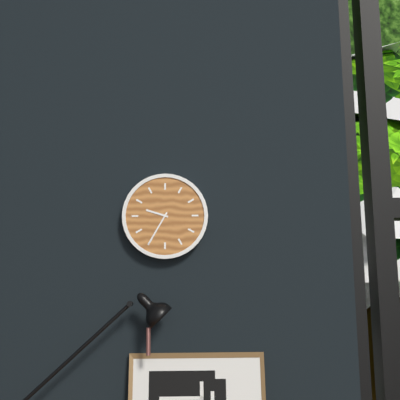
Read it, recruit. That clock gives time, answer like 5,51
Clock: 9,35
